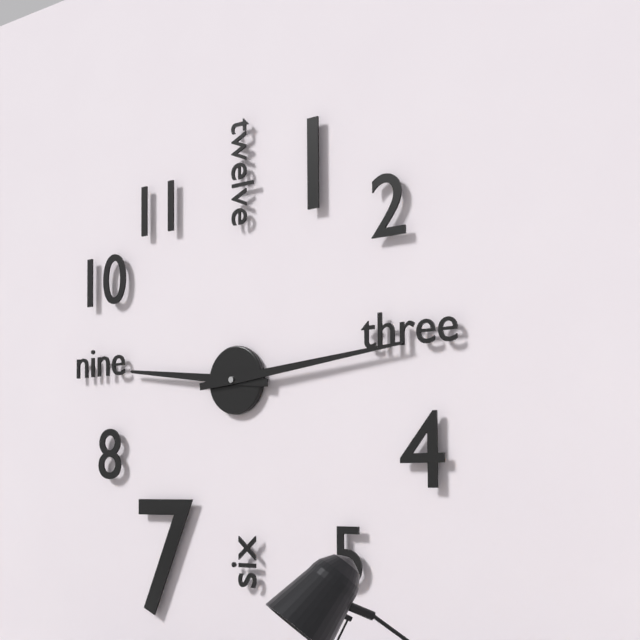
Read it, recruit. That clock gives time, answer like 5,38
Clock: 9,14
